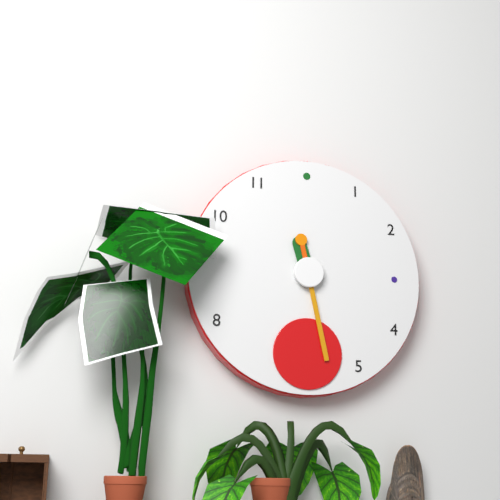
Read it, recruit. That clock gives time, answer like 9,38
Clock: 11,28
